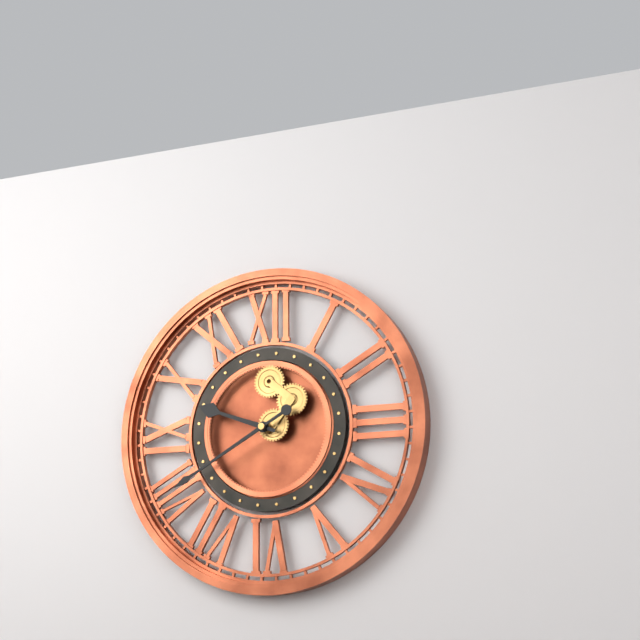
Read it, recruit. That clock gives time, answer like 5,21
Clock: 9,40
